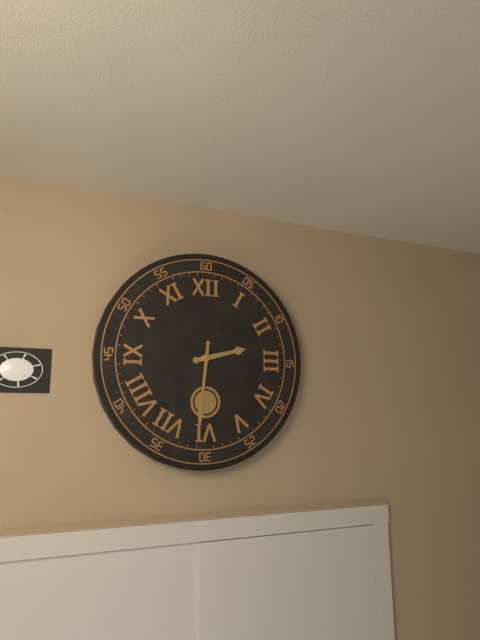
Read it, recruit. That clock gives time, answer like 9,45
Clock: 2,31
